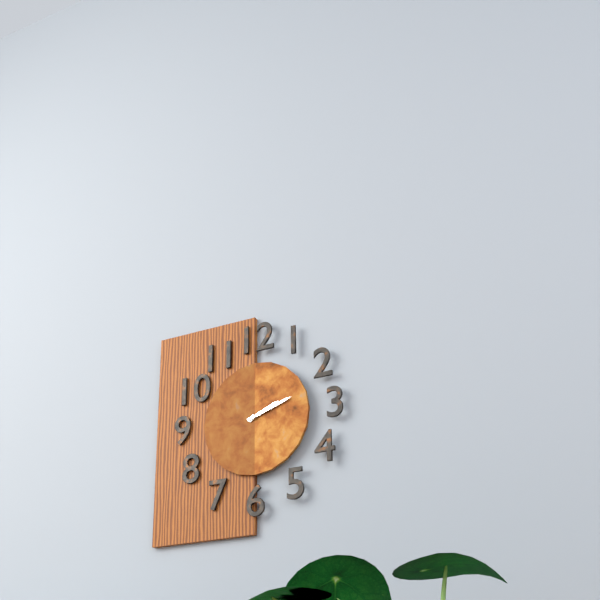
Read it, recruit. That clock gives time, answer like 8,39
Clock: 2,12
